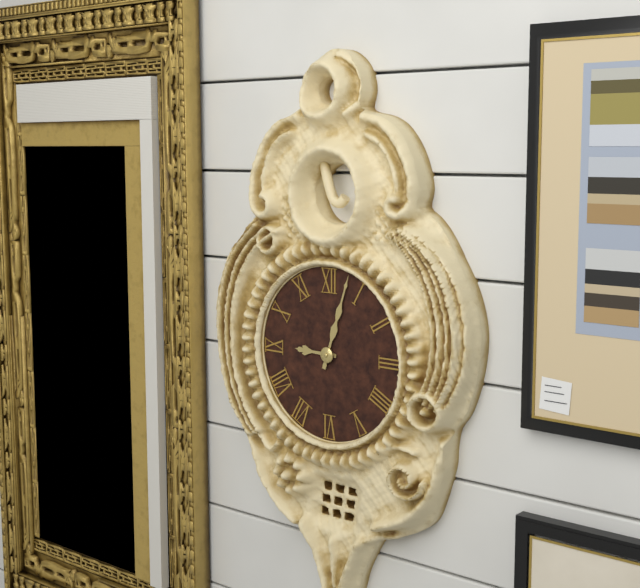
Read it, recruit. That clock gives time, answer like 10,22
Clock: 9,03
